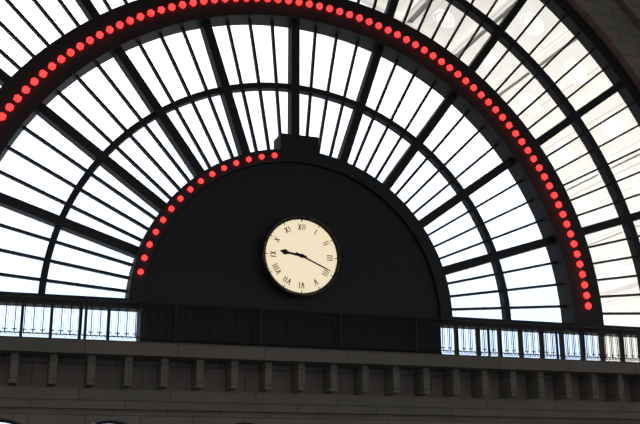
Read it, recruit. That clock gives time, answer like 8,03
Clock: 9,19
